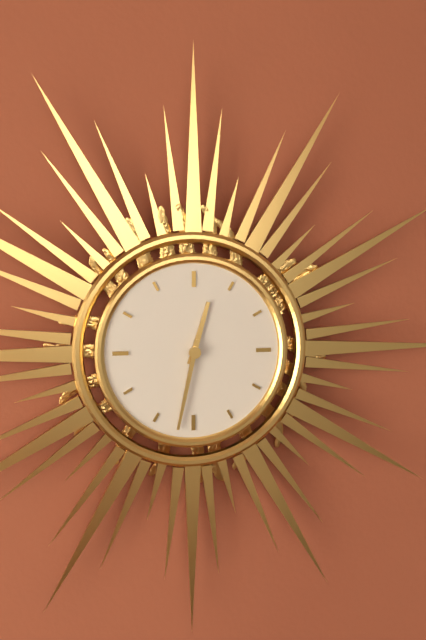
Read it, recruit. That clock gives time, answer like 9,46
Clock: 12,32
